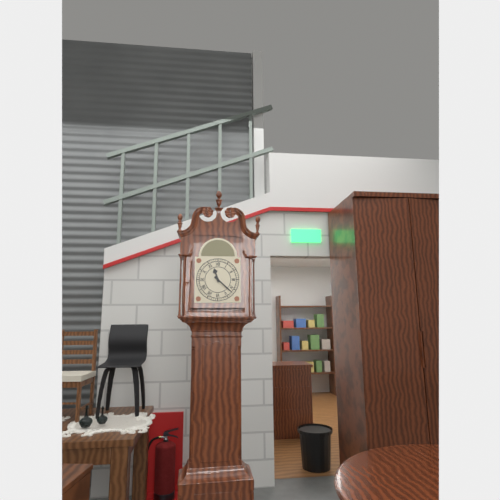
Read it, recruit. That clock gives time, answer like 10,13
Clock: 11,22
